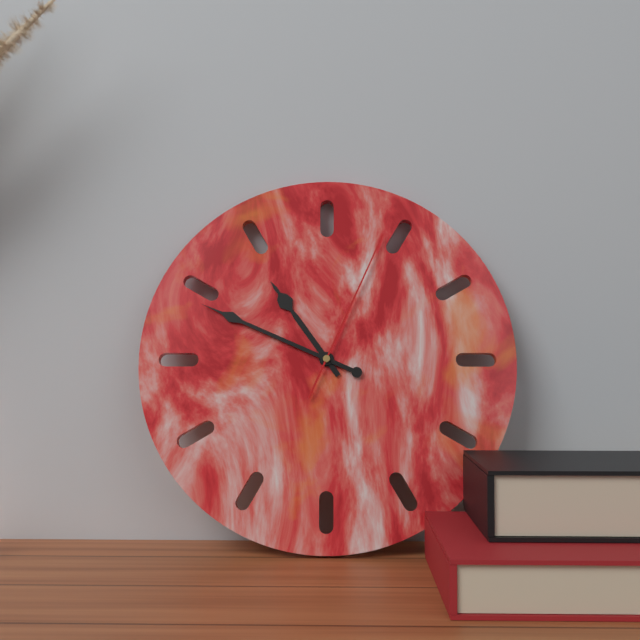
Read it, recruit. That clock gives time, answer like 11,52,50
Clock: 10,49,04
